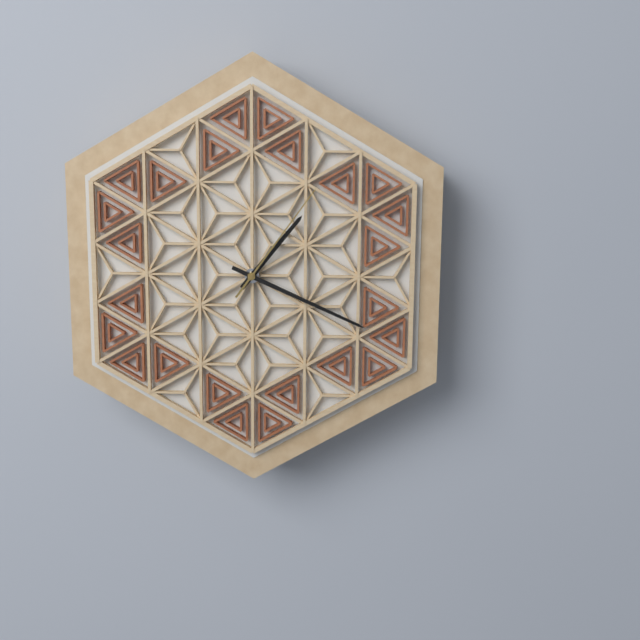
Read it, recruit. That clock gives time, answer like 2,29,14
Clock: 1,19,06
